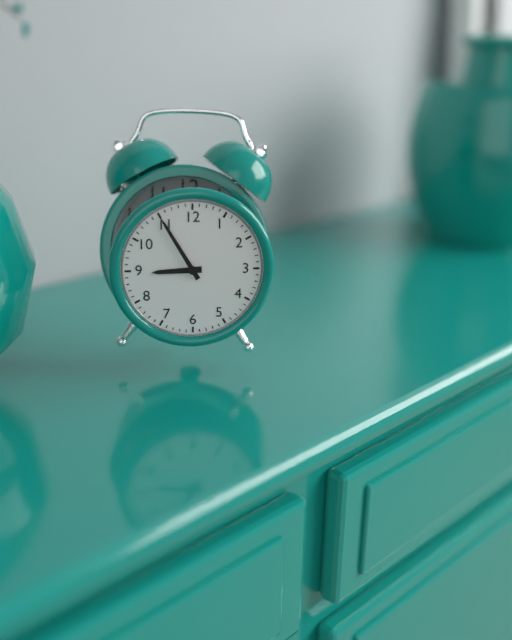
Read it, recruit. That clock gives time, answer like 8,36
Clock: 8,55
